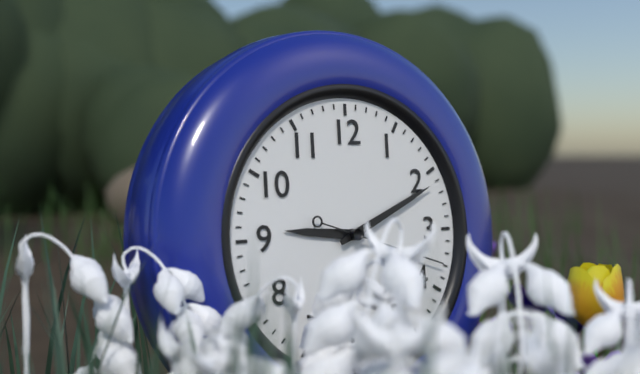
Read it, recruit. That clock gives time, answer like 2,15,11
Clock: 9,11,18
